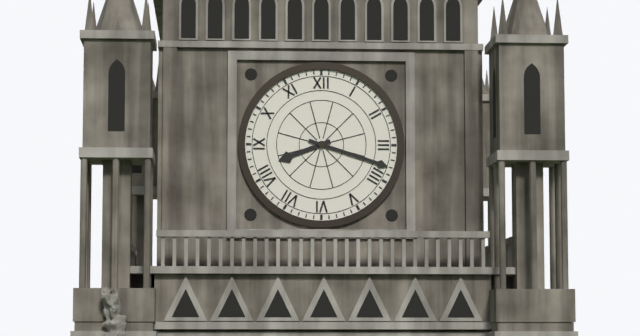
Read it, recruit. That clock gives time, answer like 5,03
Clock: 8,18
